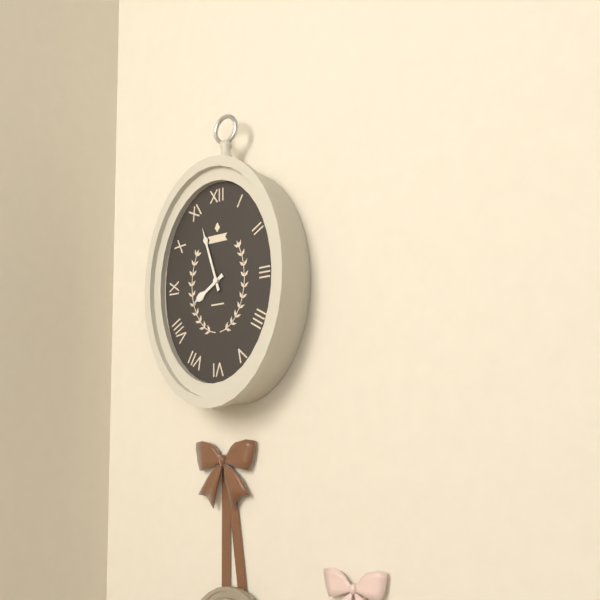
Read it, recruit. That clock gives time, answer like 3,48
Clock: 7,57
